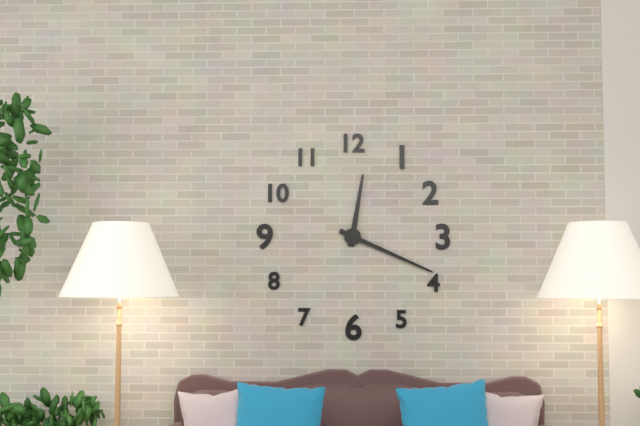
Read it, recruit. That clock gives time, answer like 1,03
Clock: 12,19
